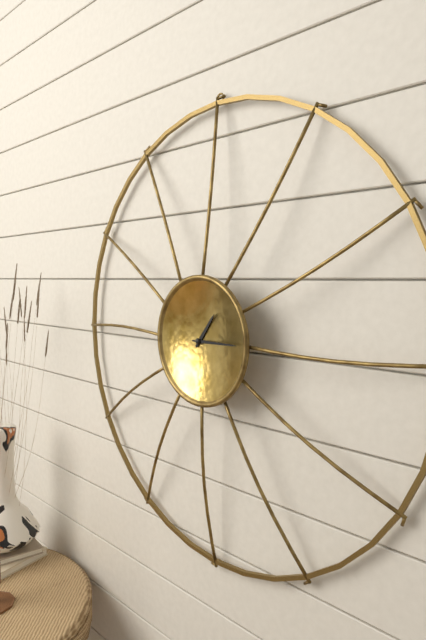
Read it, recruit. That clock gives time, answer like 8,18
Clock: 1,15
